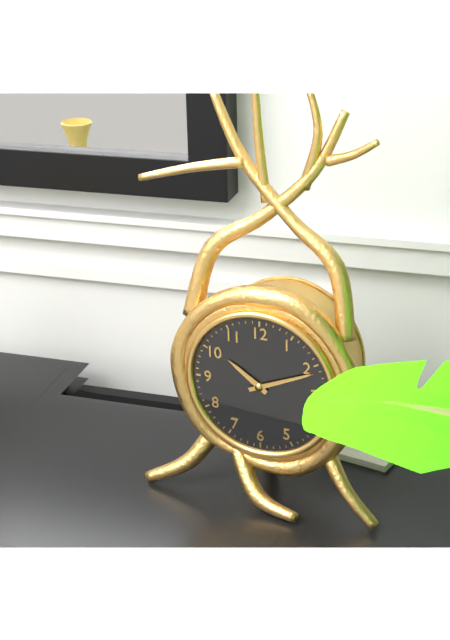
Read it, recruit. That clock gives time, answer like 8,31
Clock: 10,11
